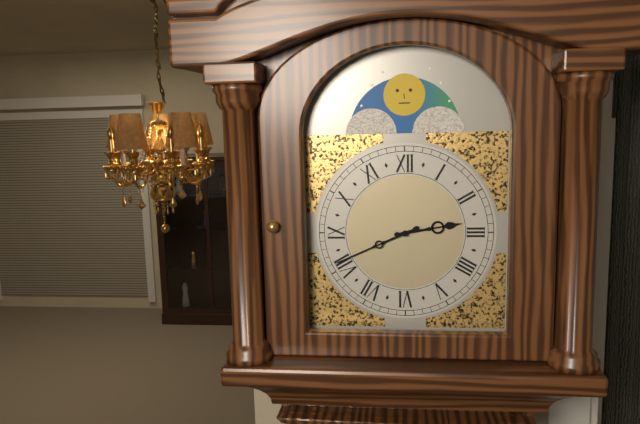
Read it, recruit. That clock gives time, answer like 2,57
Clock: 2,41
